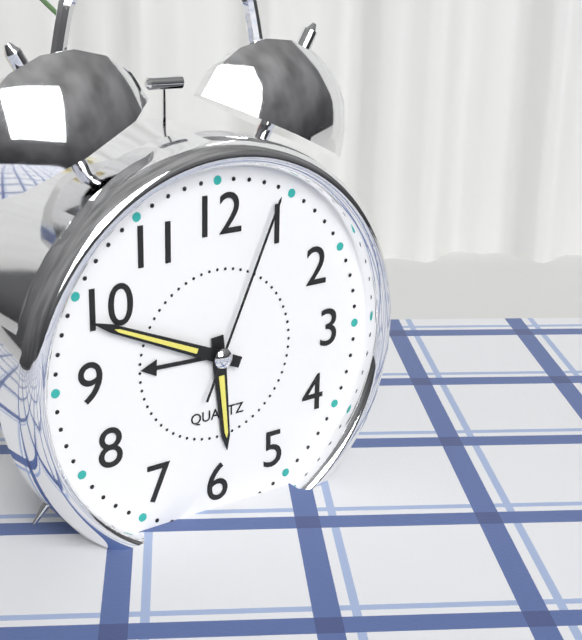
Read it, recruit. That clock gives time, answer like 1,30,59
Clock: 5,49,04
